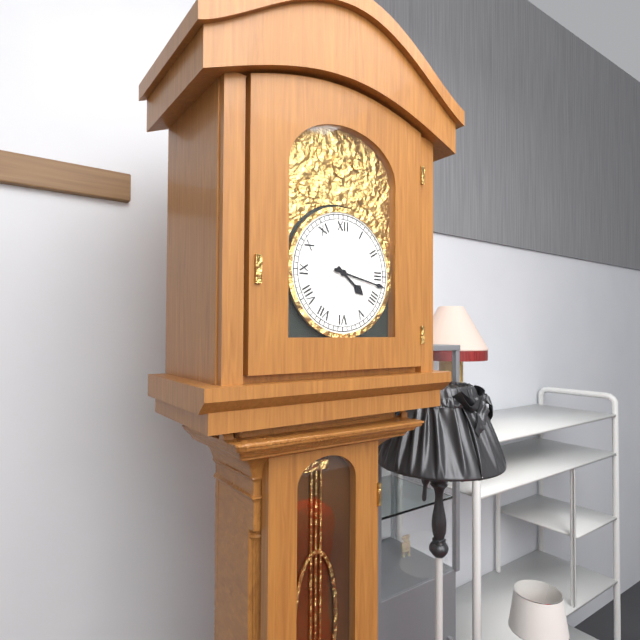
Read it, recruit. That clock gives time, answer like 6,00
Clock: 4,17
